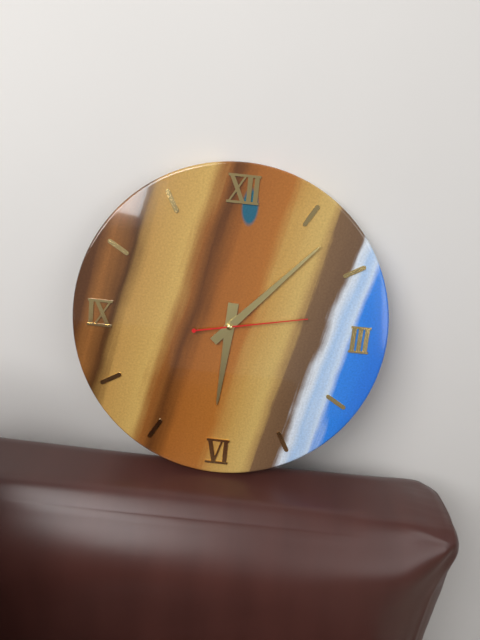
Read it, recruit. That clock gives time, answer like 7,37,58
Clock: 6,07,13
